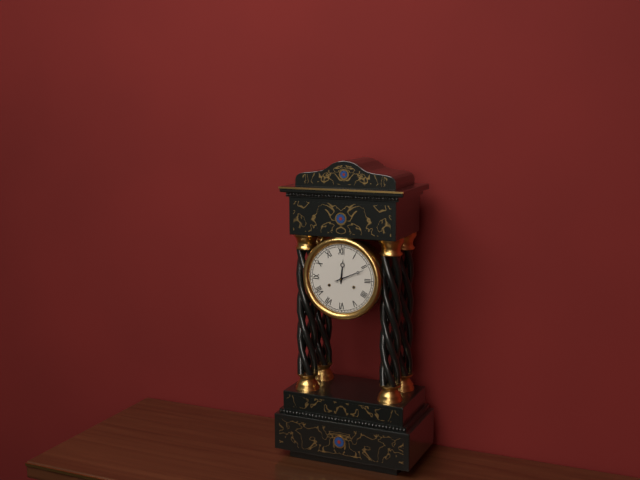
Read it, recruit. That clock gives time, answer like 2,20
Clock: 12,11
